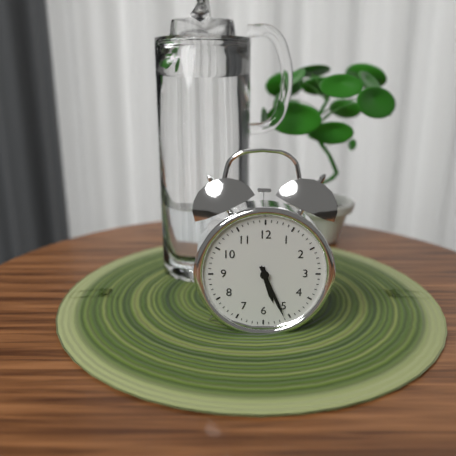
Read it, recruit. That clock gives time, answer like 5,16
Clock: 5,26
